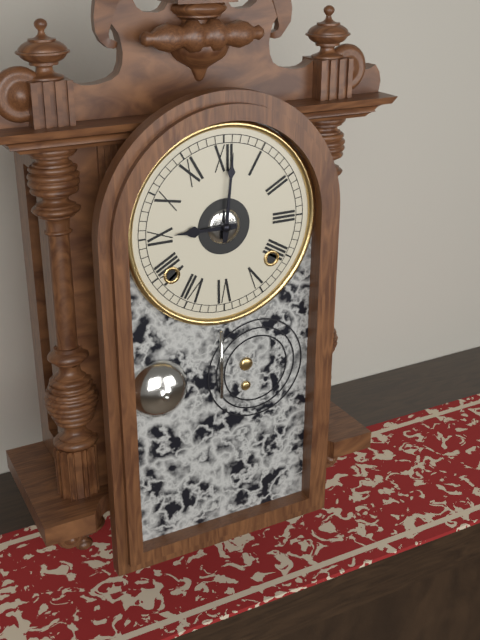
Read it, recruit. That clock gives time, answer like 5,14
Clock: 9,01
